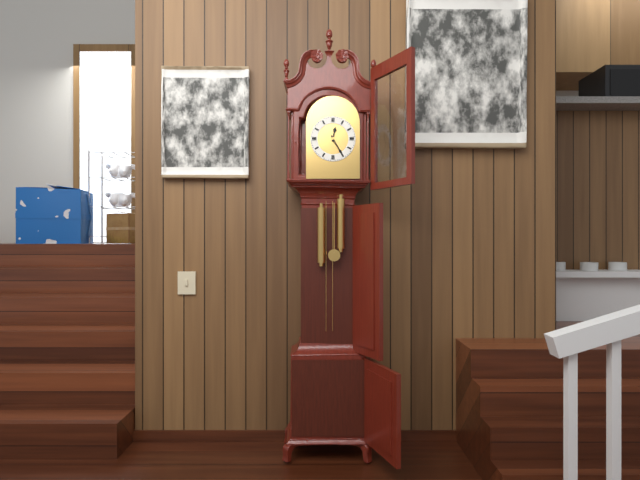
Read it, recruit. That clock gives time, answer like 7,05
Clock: 12,25
